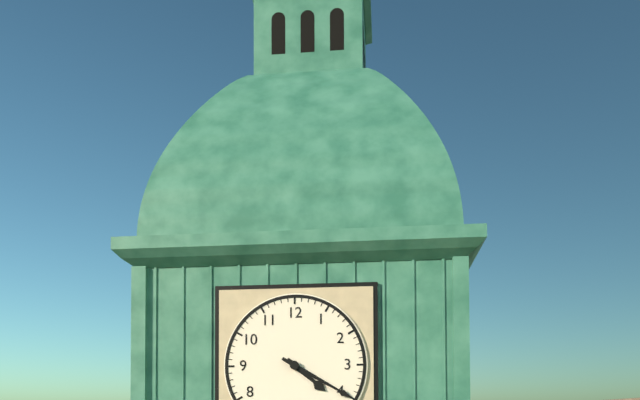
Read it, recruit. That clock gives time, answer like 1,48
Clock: 4,20
